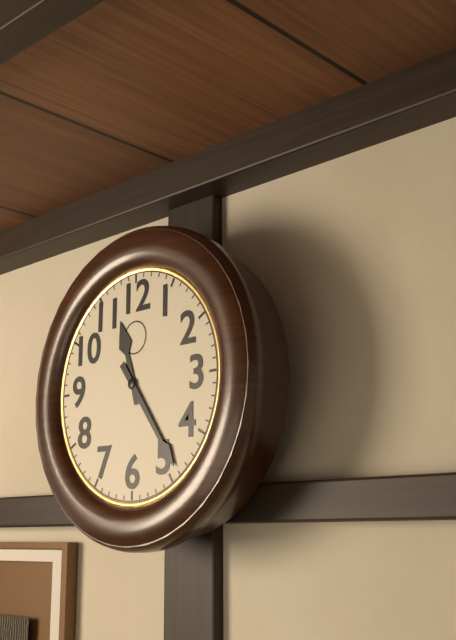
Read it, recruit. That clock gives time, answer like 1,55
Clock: 11,24
